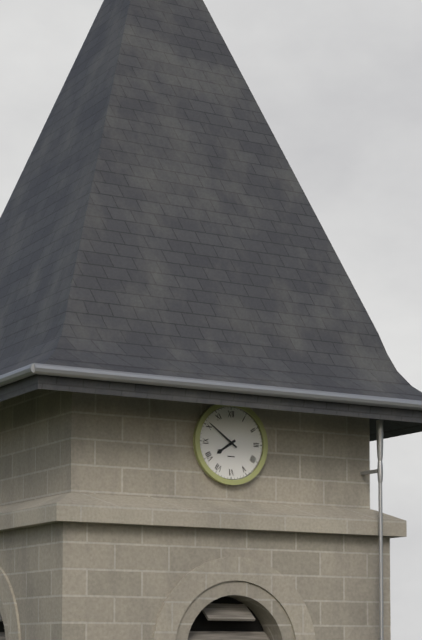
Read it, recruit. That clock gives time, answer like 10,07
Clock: 7,51
